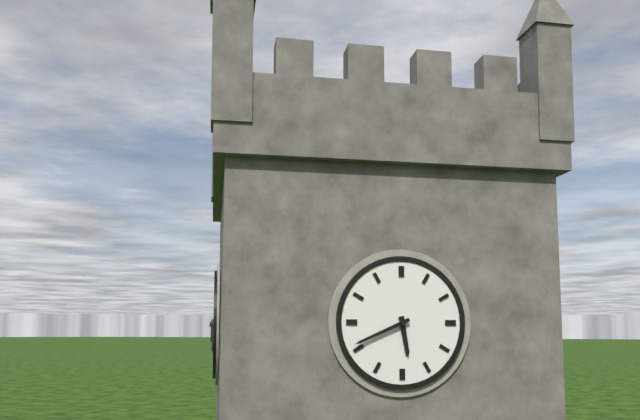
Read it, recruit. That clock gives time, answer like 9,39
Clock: 5,41
